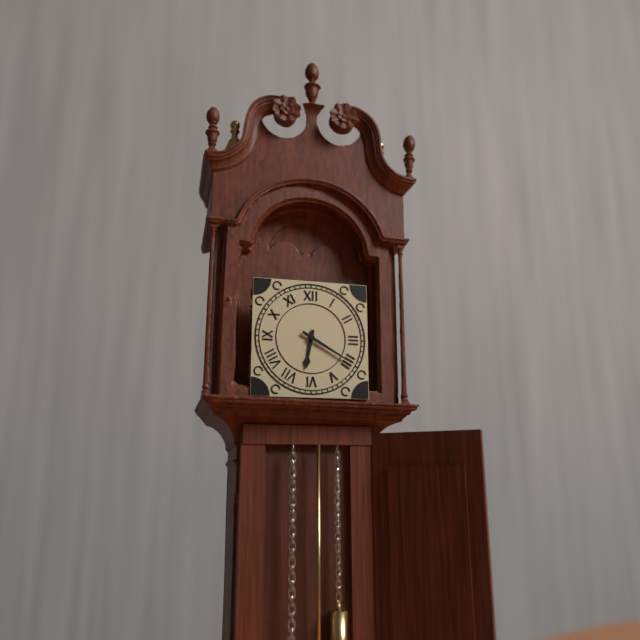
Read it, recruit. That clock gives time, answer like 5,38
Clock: 6,20
